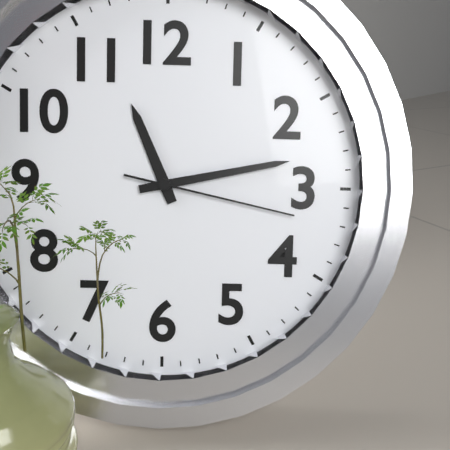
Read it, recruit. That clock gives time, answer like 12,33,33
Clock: 11,13,17
